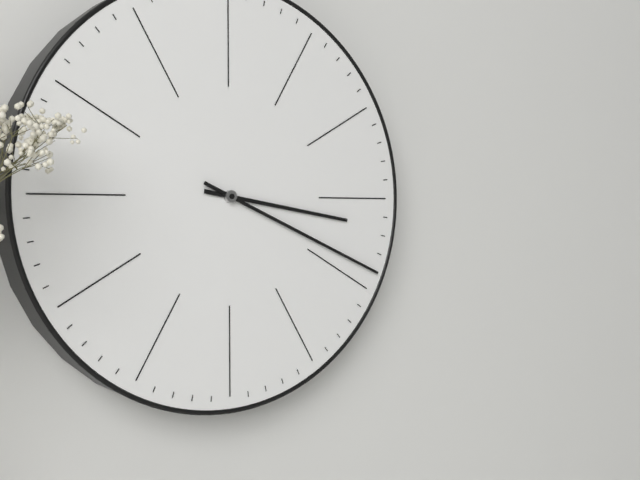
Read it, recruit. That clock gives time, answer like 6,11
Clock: 3,19
